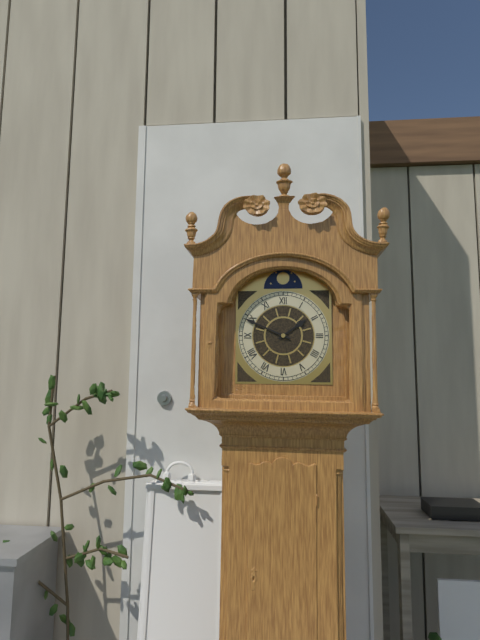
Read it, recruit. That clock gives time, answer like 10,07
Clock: 1,49
